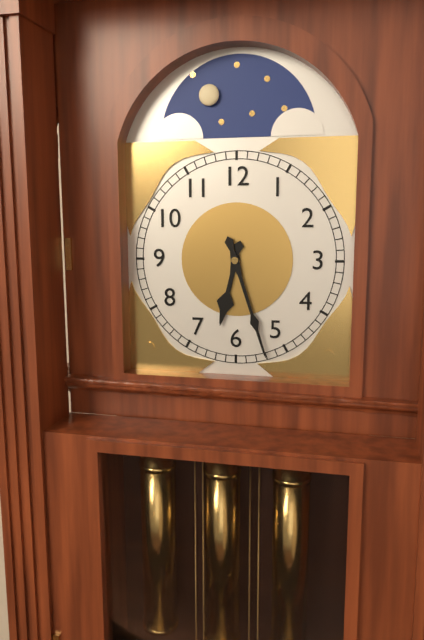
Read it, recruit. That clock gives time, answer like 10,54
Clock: 6,27
